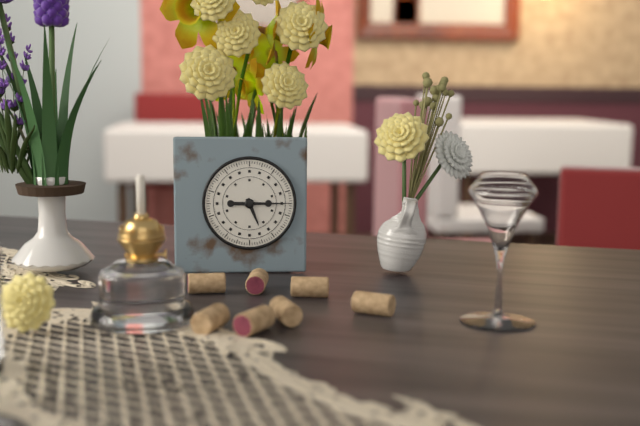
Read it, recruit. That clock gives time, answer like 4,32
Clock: 5,15
